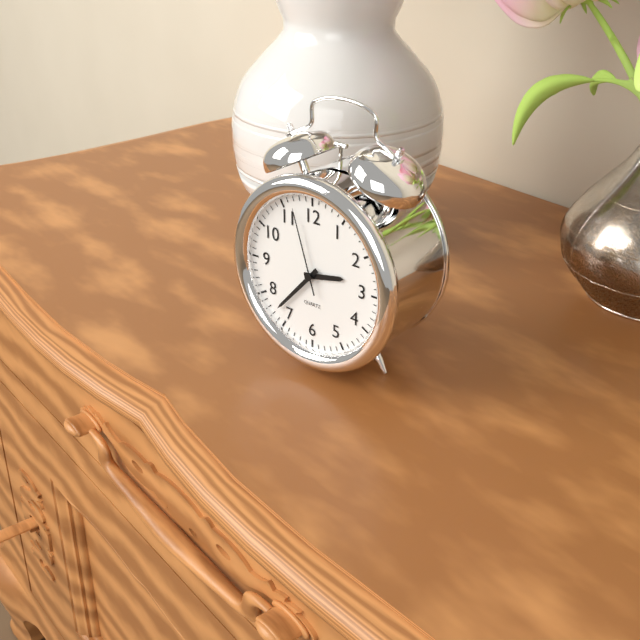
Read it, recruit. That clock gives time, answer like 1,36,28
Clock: 2,37,57
